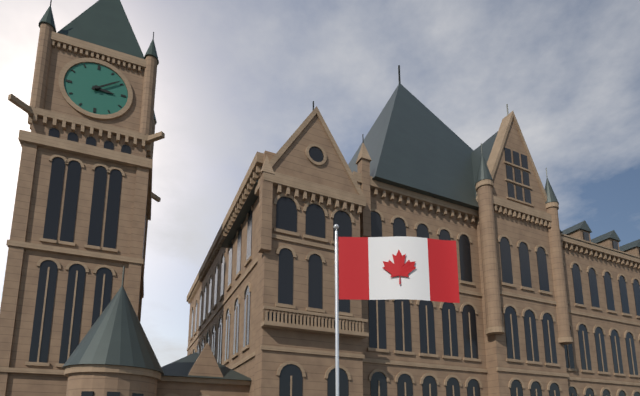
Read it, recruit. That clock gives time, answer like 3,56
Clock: 3,09
